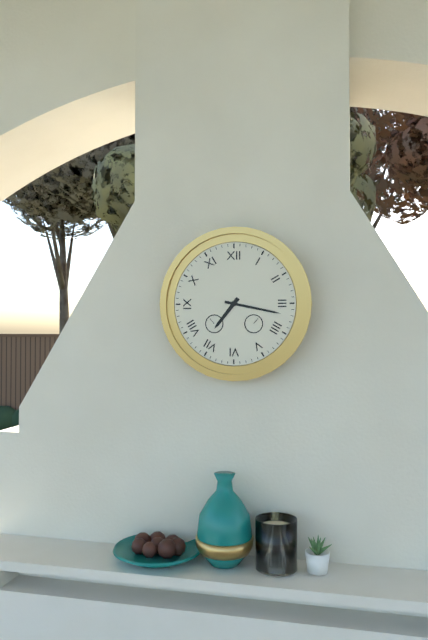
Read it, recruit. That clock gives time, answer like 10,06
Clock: 7,17
